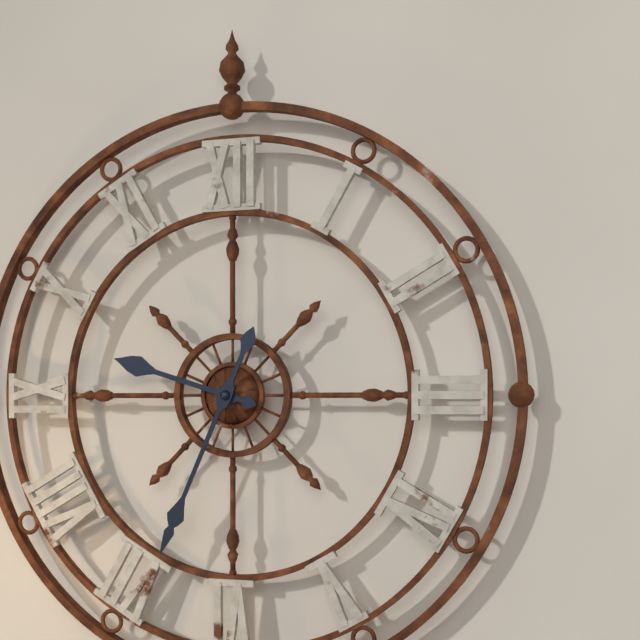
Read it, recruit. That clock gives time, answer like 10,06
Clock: 9,34
